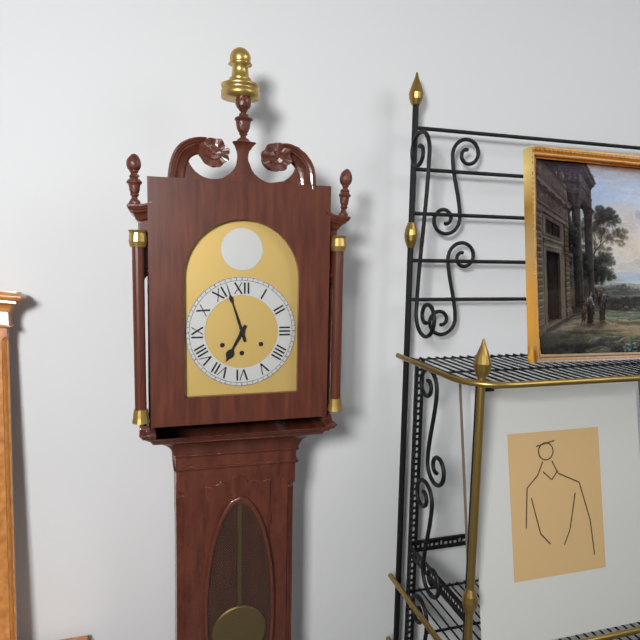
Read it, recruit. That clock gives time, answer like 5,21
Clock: 6,57
